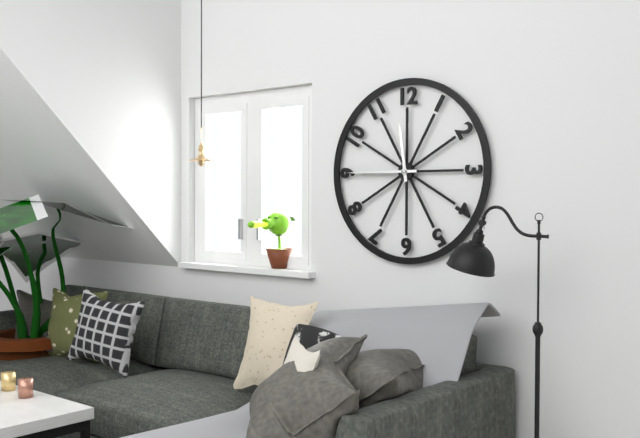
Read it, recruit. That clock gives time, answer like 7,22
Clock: 11,45
